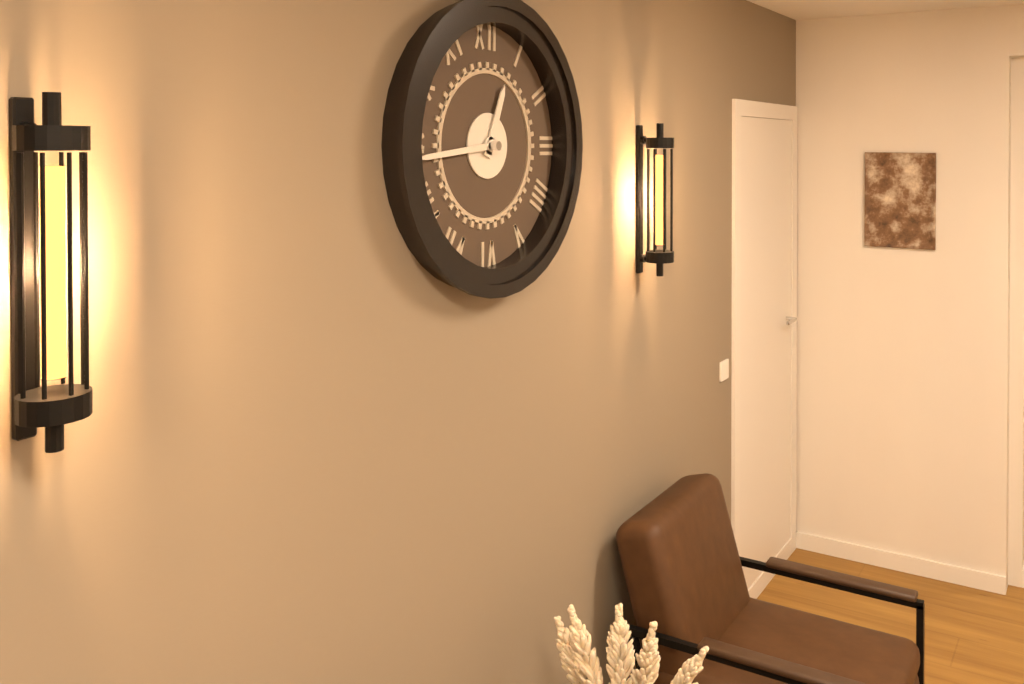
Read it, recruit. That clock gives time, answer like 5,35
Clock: 12,44
